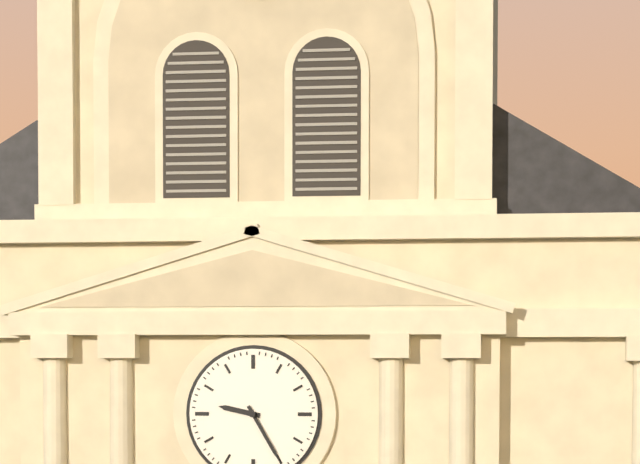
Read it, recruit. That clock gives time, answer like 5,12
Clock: 9,25
